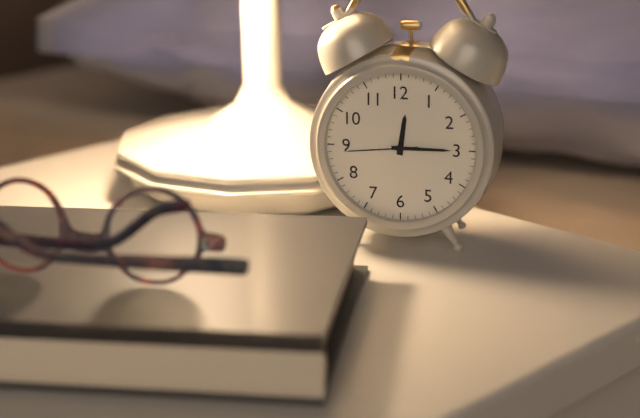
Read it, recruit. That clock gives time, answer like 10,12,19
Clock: 12,15,44
